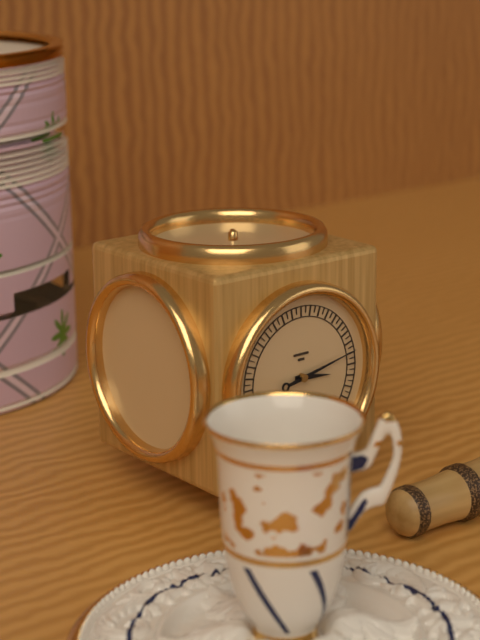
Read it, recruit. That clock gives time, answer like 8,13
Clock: 3,13
